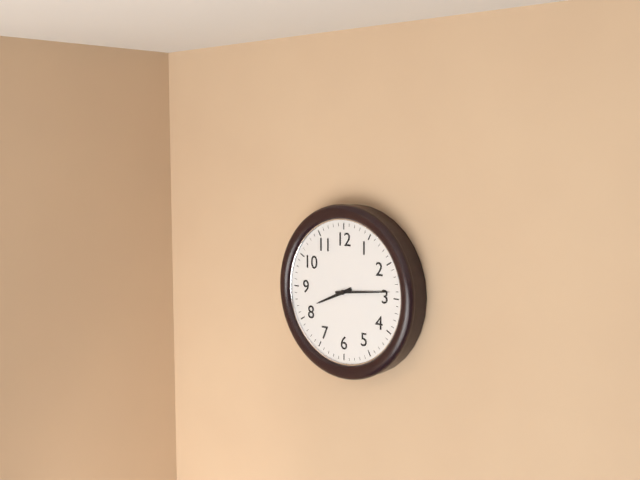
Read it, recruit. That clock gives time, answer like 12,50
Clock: 8,14
